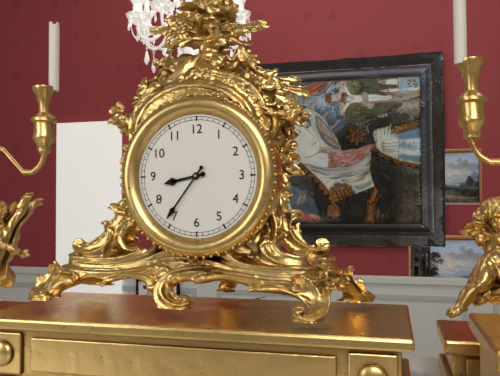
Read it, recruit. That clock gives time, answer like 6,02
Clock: 8,36
